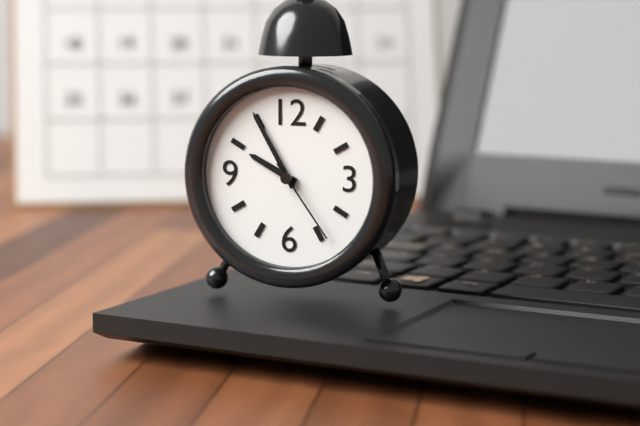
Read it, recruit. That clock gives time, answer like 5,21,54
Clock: 9,55,24
